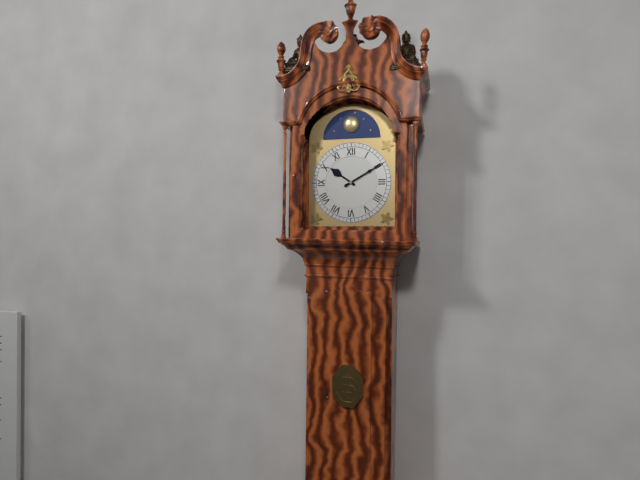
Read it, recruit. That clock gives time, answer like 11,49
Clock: 10,10
